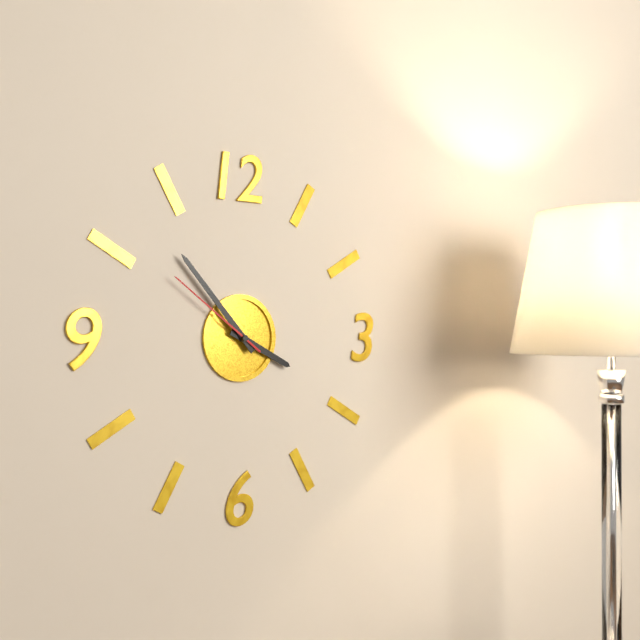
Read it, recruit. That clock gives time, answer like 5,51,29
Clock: 3,53,51
